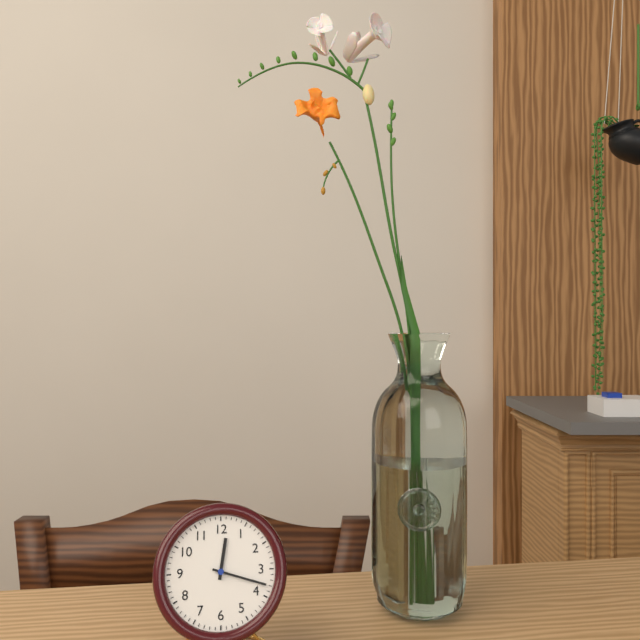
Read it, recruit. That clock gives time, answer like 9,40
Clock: 12,18
